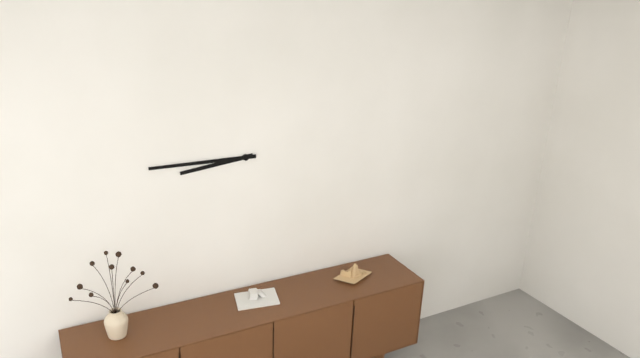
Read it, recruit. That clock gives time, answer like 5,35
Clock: 8,45
